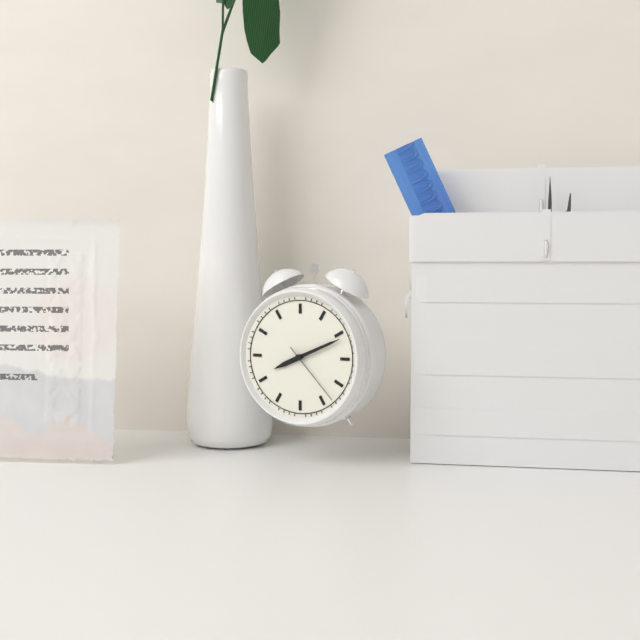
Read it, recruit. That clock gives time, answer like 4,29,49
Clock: 8,11,23
